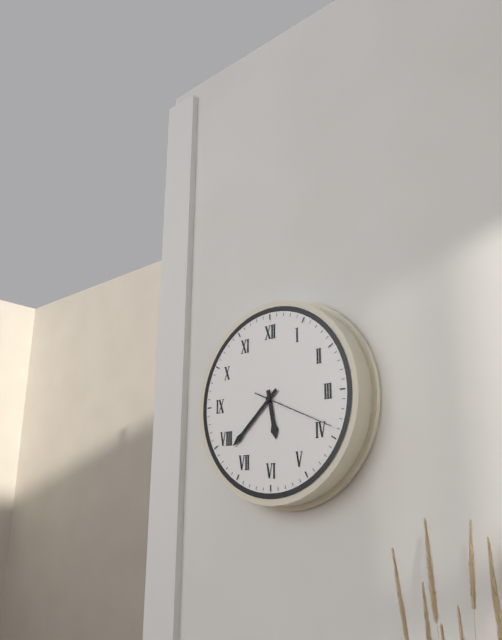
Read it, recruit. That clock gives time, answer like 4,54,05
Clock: 5,38,19
